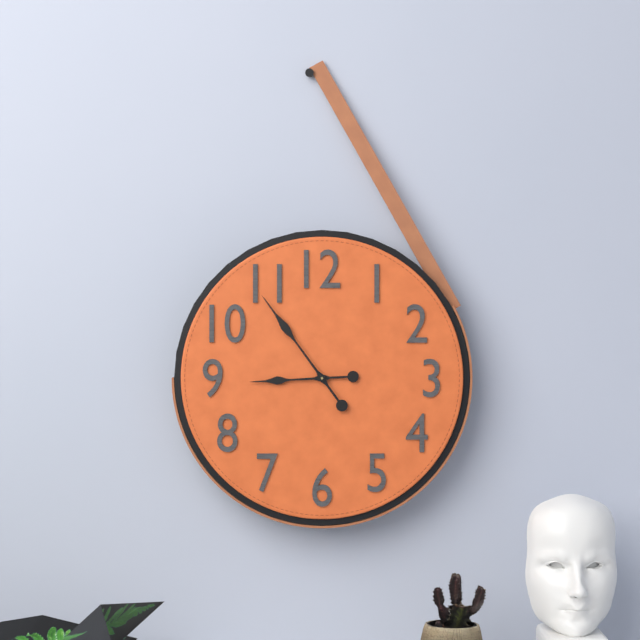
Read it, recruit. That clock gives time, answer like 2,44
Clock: 8,54
